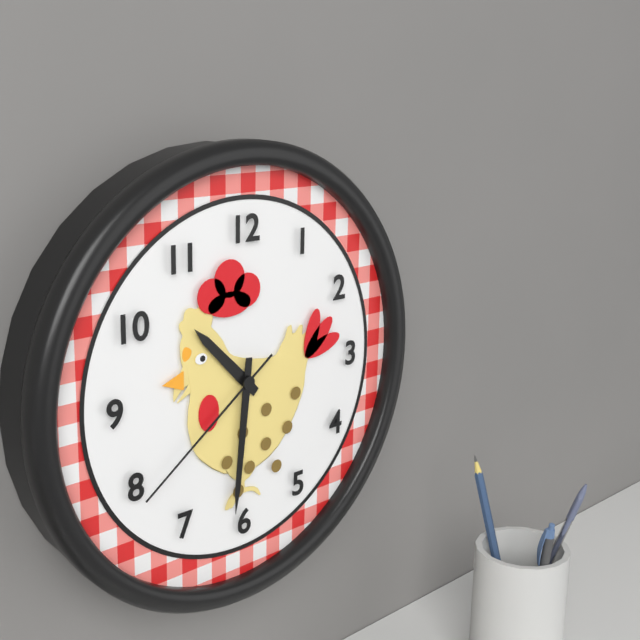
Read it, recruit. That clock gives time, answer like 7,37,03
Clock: 10,31,39
